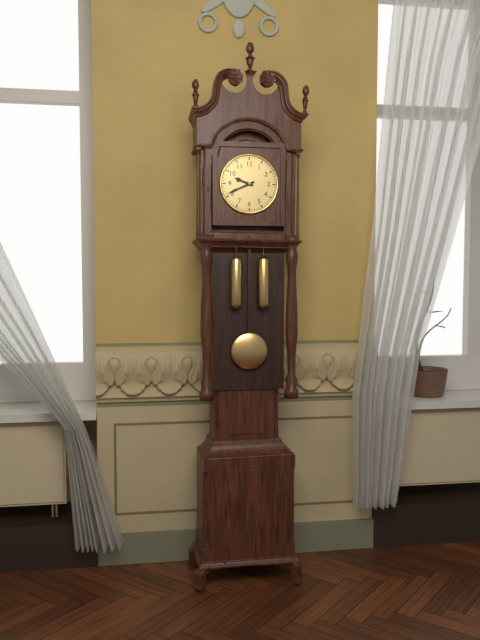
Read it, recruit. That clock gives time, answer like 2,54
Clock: 9,41
